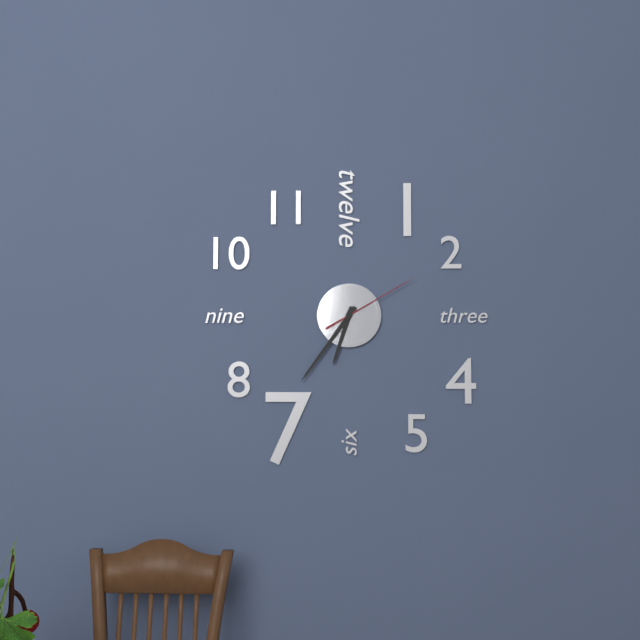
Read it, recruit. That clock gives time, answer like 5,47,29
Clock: 6,36,10
